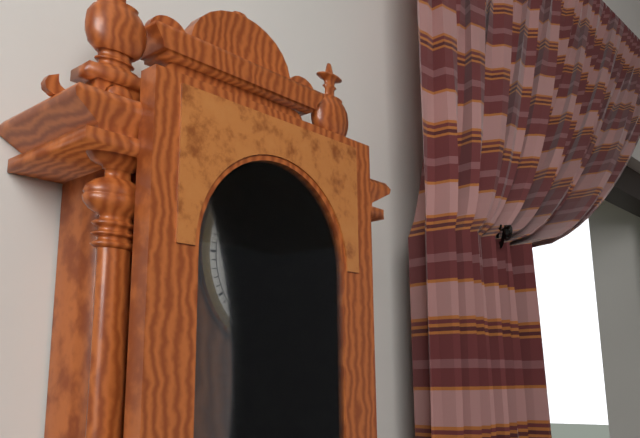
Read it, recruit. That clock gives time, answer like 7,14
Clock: 2,38
